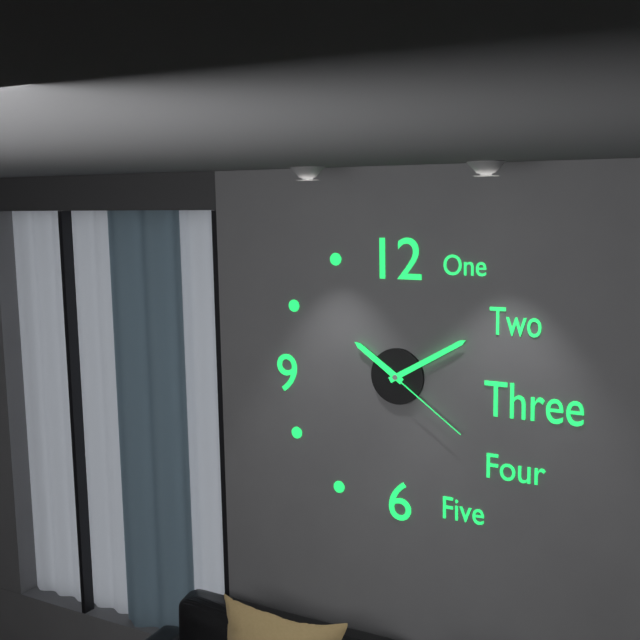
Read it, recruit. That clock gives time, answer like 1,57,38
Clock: 10,10,21
